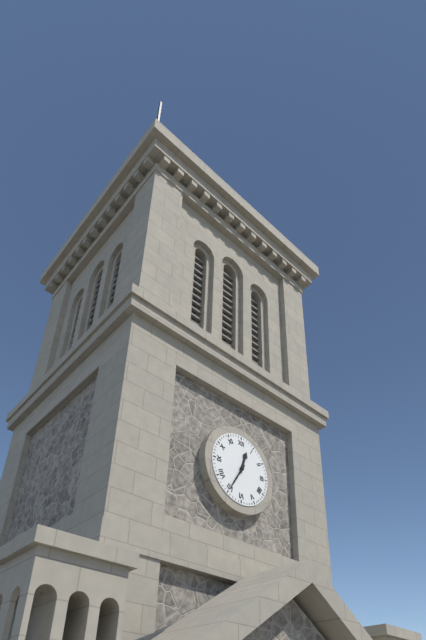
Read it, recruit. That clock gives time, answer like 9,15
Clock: 12,35
